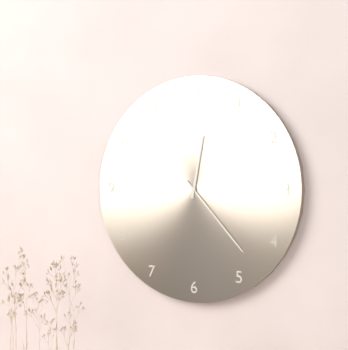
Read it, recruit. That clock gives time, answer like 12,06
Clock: 12,23
